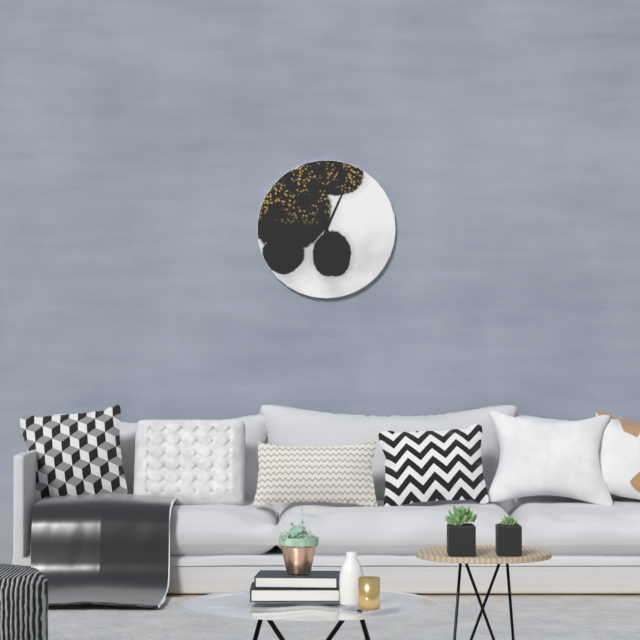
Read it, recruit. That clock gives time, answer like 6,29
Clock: 5,04
